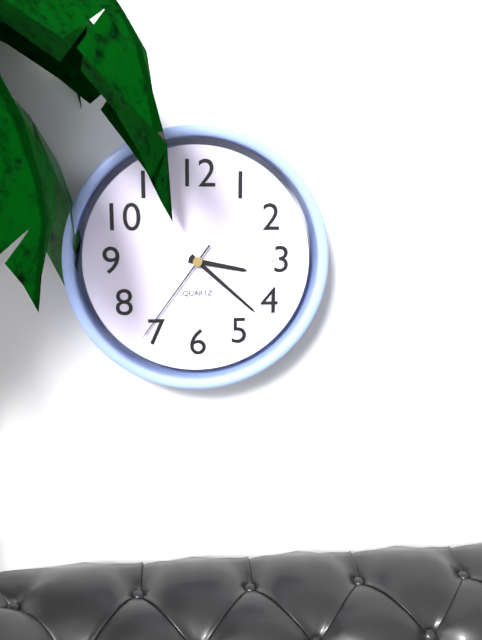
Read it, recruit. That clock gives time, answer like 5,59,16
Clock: 3,22,36
